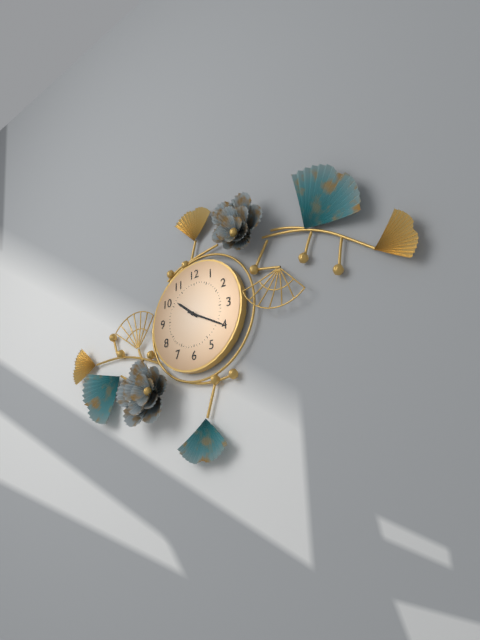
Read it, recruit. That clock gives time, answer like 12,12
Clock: 10,20
